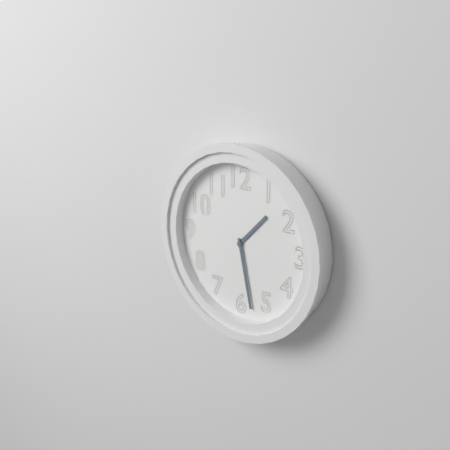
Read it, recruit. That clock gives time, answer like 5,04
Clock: 1,28
